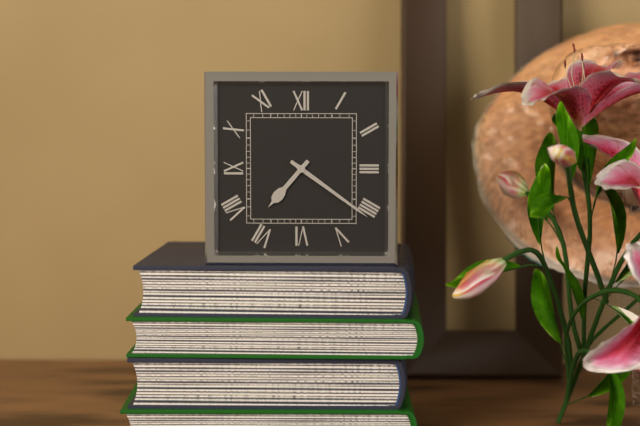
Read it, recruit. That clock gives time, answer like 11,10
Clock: 7,21
